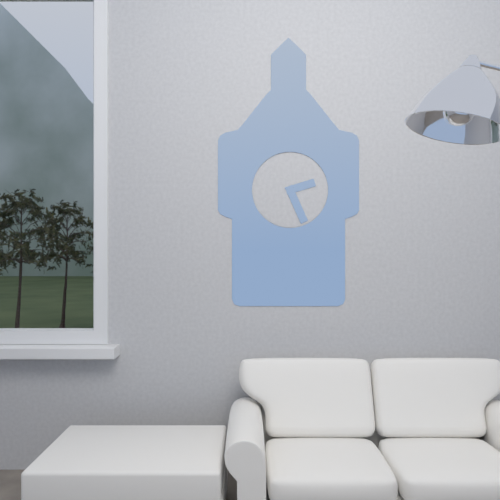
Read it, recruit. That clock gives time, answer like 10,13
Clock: 2,26
